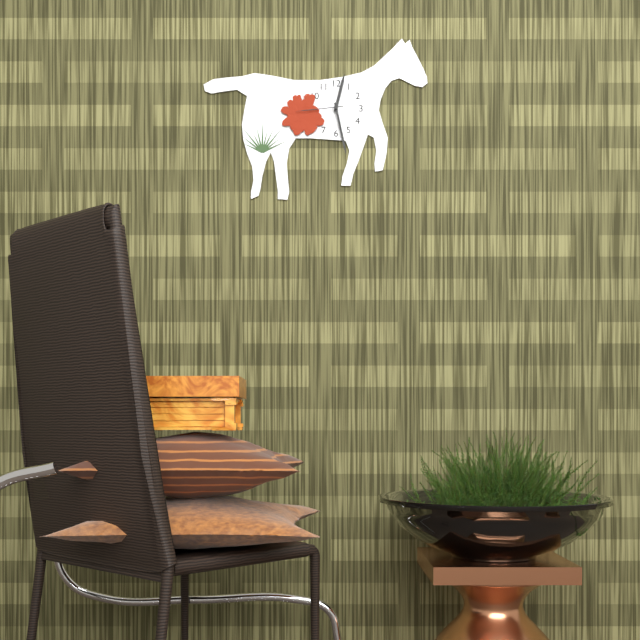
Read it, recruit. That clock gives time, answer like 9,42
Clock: 12,28
